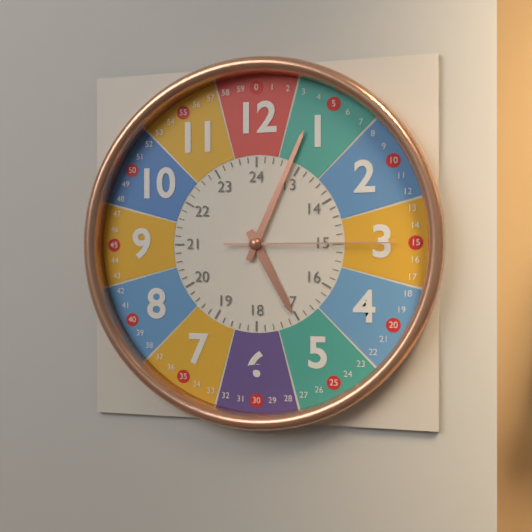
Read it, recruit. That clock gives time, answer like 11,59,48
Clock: 5,04,15
